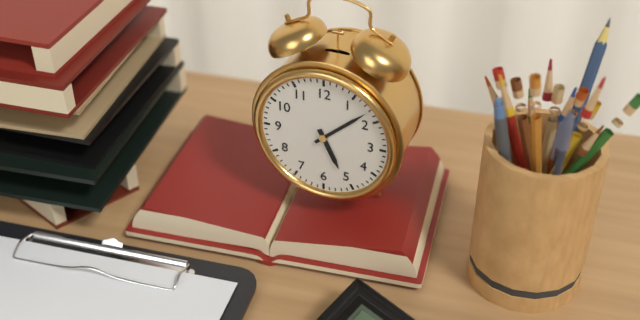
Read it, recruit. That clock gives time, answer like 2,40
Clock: 5,08
